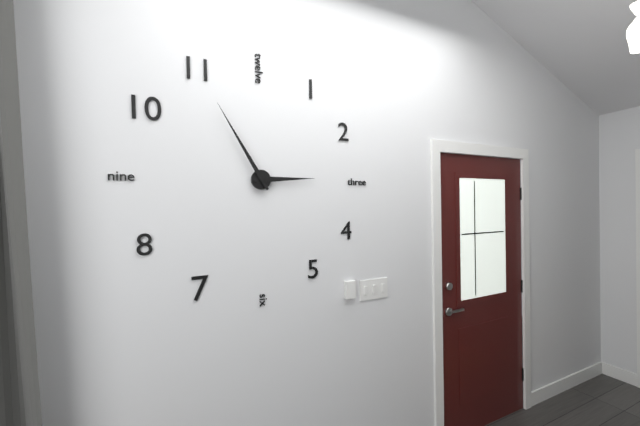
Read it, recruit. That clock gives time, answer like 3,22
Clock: 2,55
